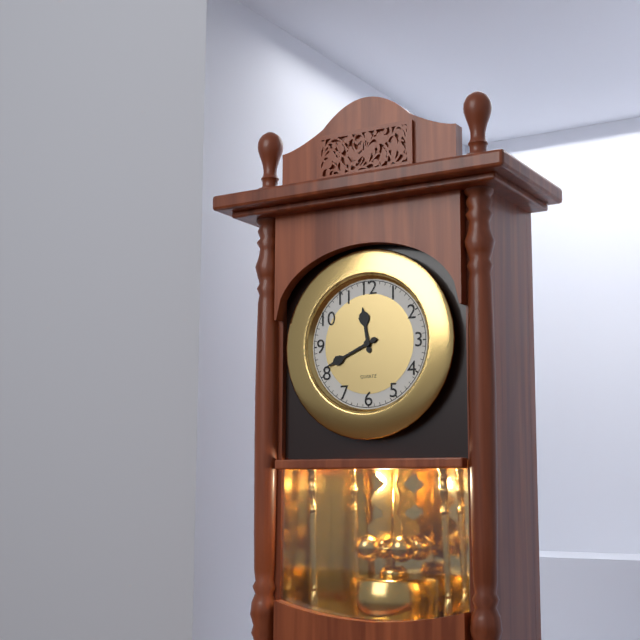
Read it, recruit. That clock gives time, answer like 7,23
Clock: 11,41
